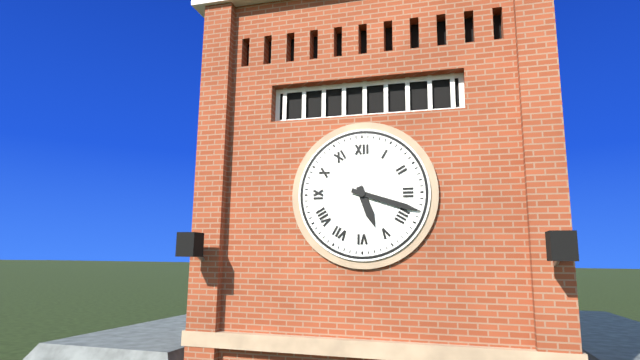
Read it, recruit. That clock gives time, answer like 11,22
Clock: 5,18
